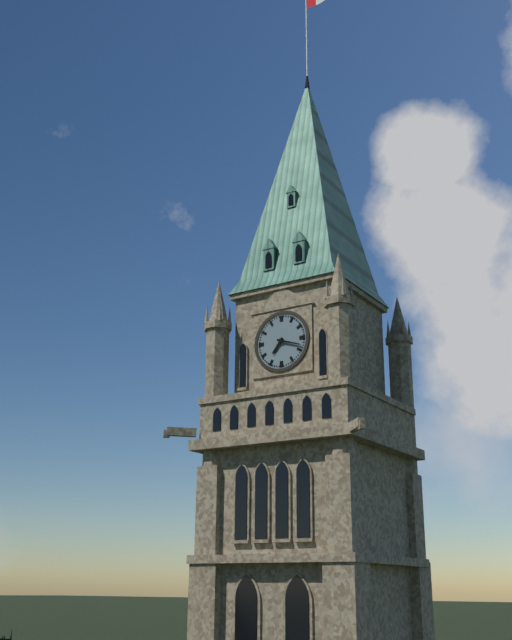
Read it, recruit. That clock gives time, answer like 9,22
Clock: 7,18
